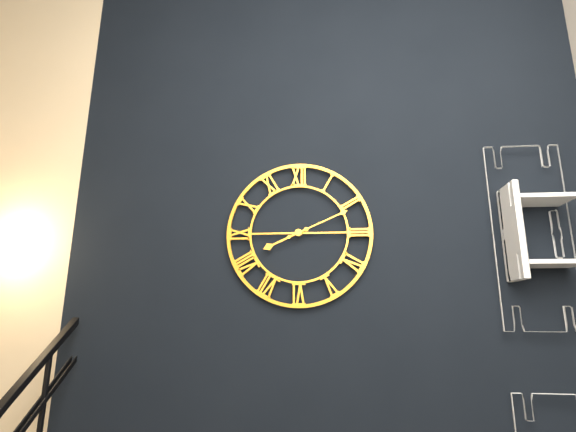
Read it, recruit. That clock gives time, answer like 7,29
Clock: 8,11
